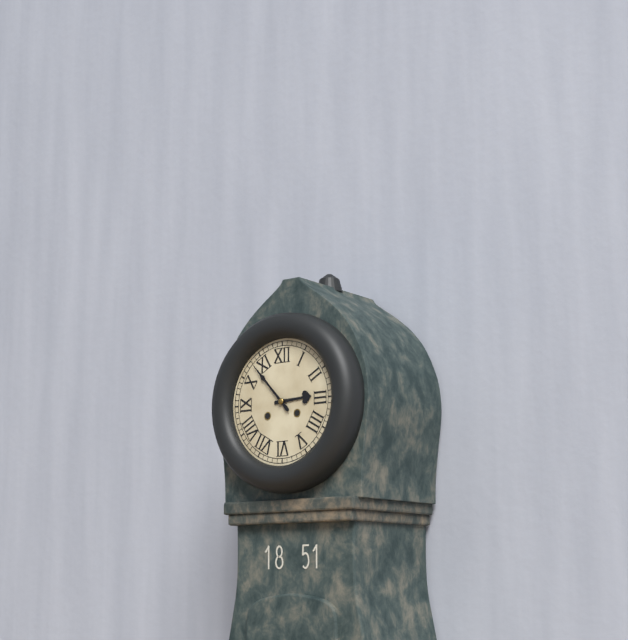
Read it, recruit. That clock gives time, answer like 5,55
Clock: 2,53
